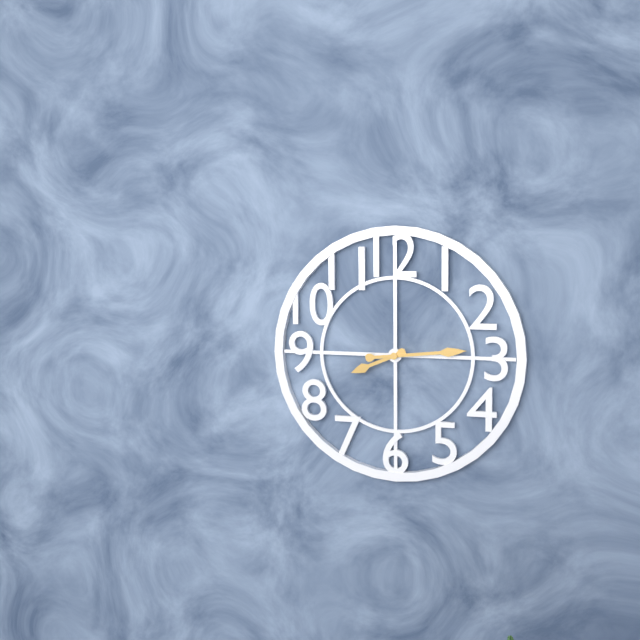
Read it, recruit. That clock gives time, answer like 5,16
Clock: 8,14
